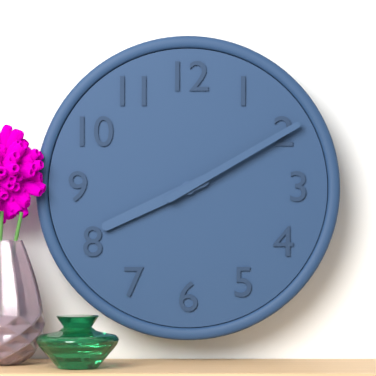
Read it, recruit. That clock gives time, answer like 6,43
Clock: 8,10
